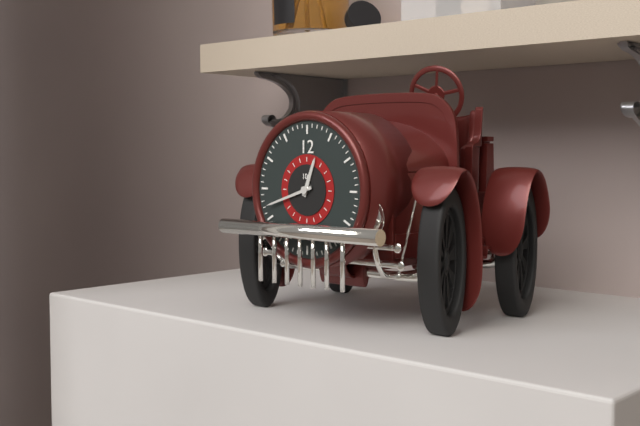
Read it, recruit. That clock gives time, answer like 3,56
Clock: 12,42
